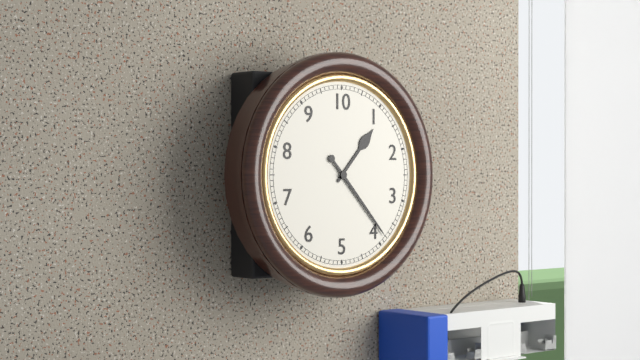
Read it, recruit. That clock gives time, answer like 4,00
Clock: 1,23
